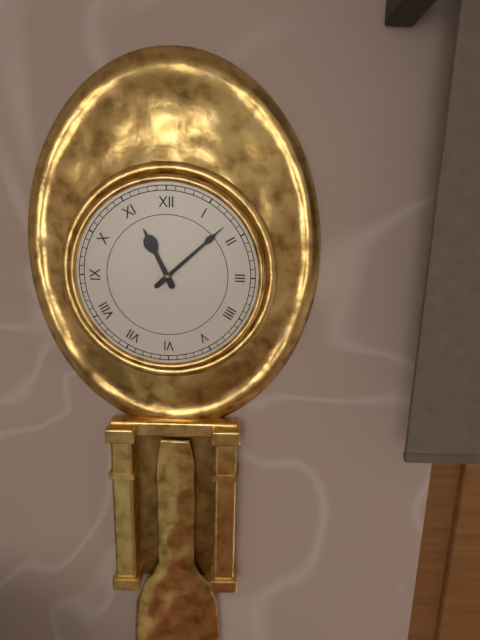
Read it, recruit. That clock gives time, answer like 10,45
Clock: 11,08
